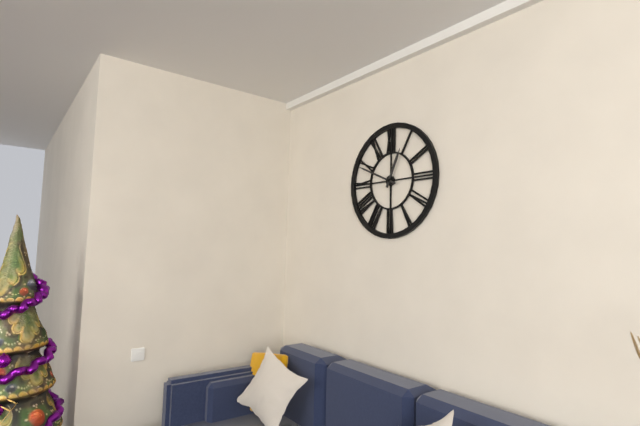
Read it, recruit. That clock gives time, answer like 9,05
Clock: 12,49
